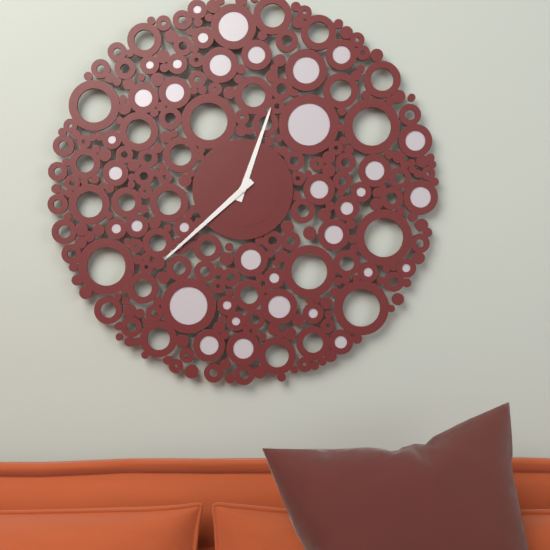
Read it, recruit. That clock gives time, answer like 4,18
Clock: 12,38
